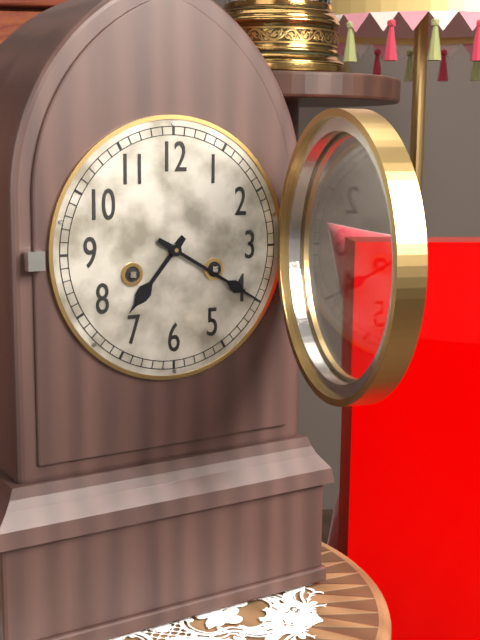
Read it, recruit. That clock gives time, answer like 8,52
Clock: 7,20
